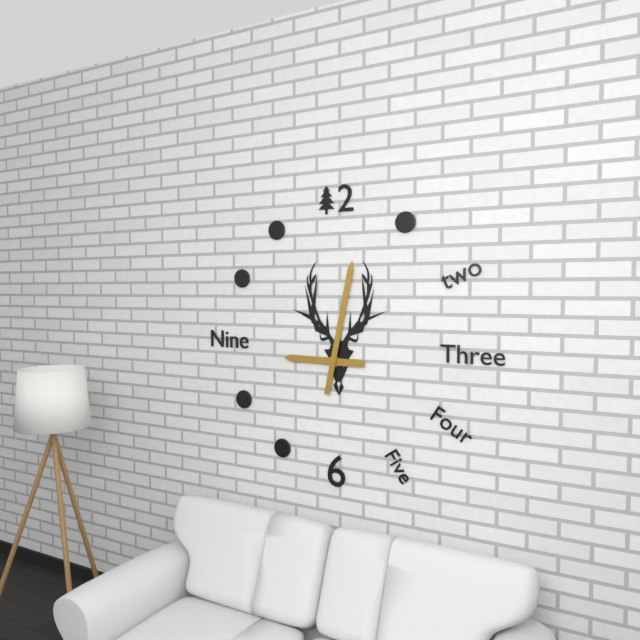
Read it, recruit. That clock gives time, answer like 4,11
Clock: 9,02
